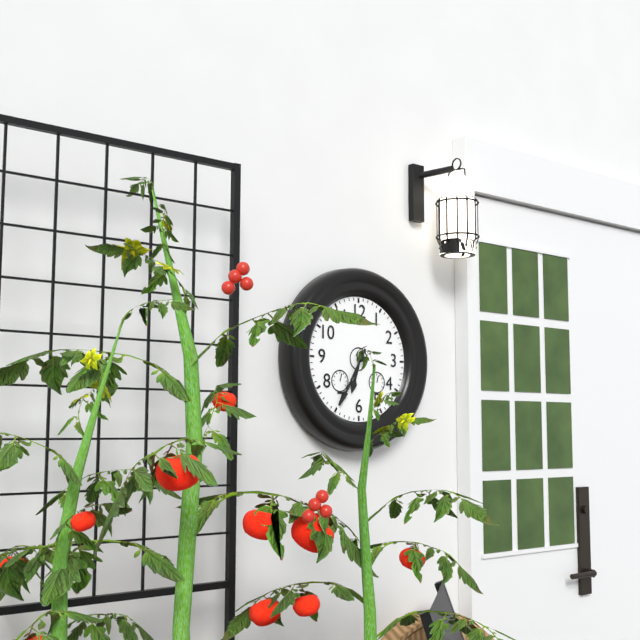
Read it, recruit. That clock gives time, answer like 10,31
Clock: 6,35
